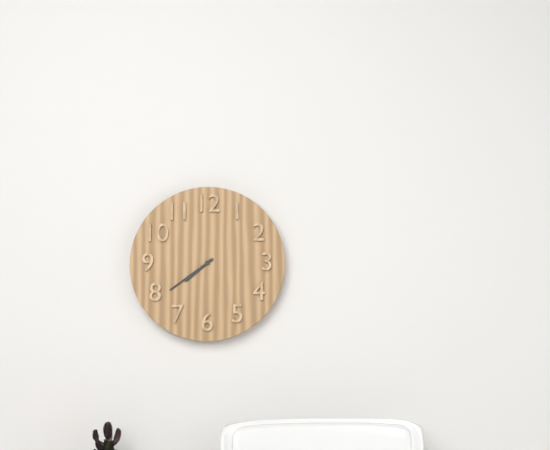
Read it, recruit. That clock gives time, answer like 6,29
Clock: 7,39
